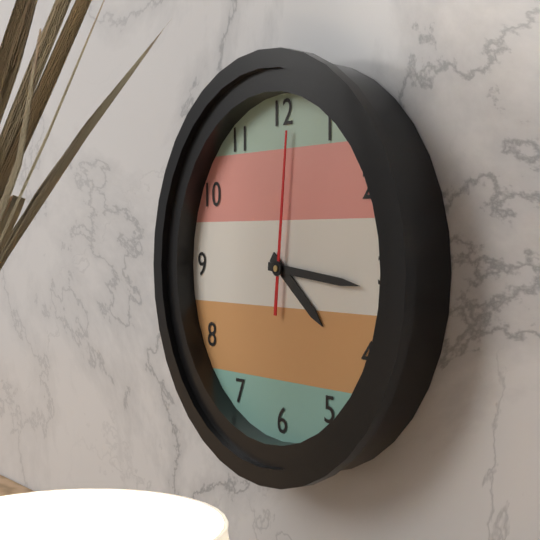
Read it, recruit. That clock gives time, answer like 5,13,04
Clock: 4,16,01
